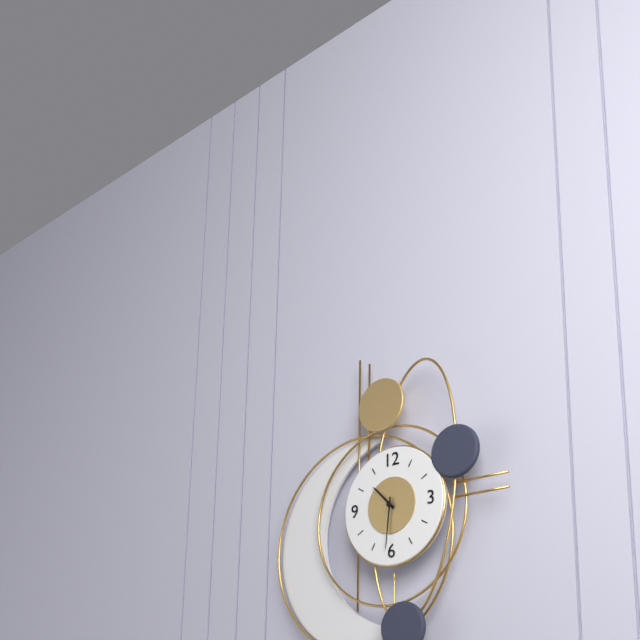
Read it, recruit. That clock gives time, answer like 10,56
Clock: 10,31
